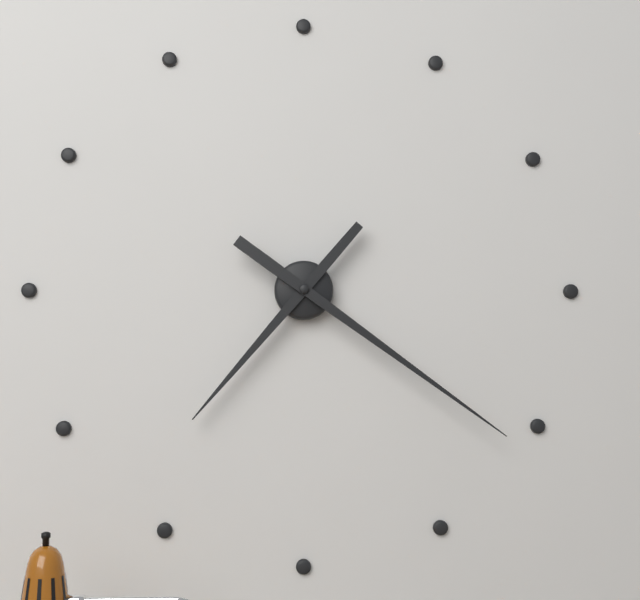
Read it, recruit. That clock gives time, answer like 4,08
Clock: 7,21
